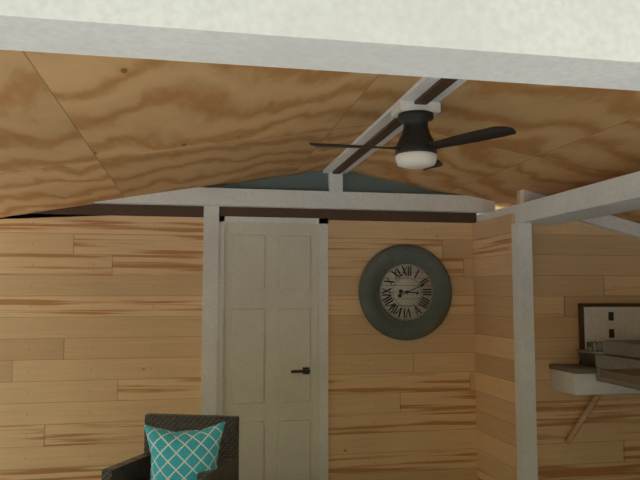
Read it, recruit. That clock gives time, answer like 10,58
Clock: 3,11
